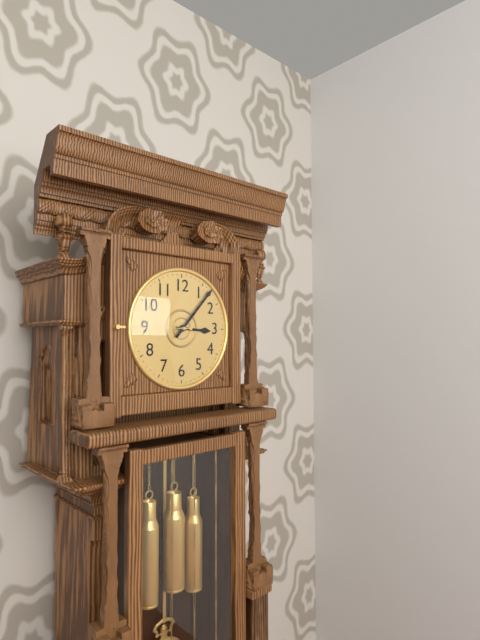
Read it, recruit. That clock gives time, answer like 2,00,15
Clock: 3,07,45
